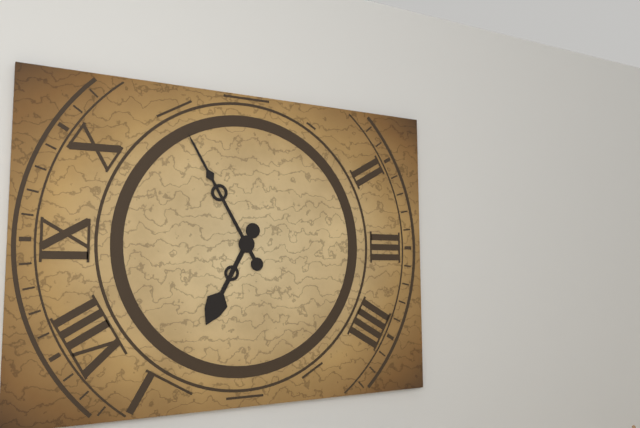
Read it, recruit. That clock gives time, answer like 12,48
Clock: 6,55
